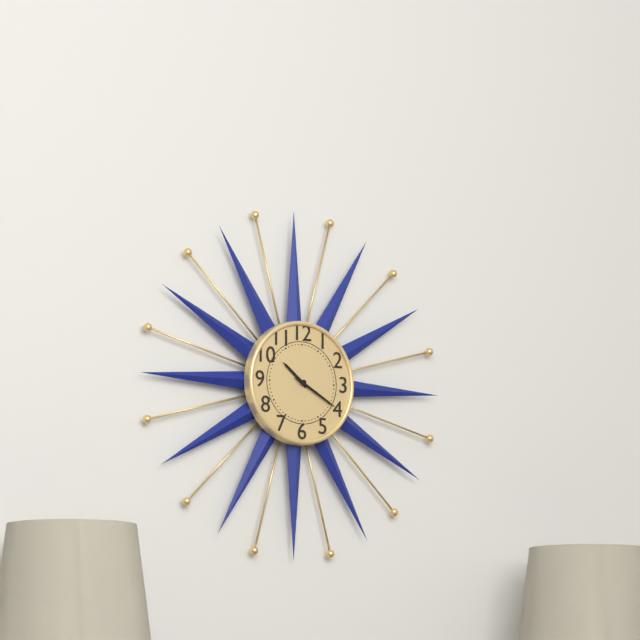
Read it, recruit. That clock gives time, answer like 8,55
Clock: 10,20
